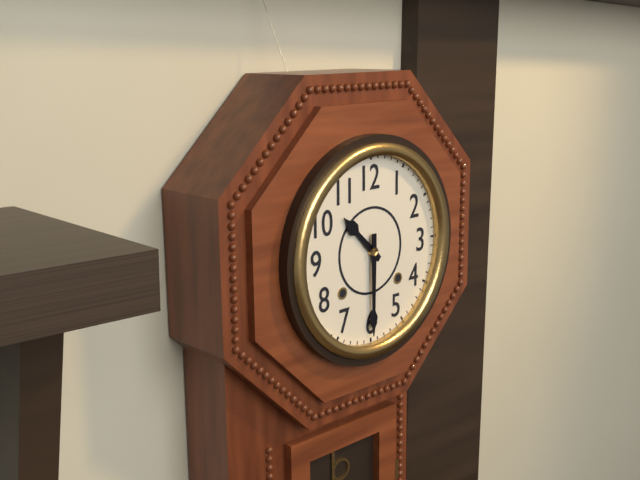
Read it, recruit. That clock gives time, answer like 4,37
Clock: 10,30
